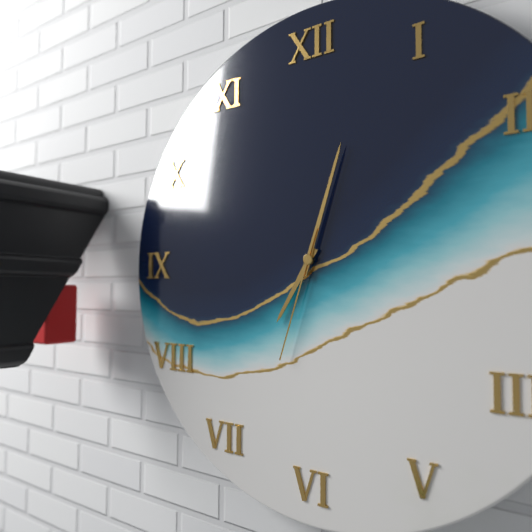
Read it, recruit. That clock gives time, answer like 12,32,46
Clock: 7,03,33
